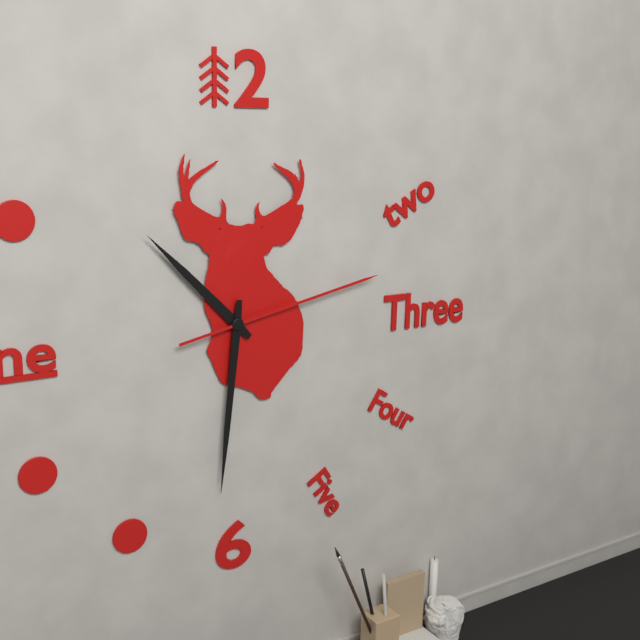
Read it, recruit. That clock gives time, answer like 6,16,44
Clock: 10,31,13
